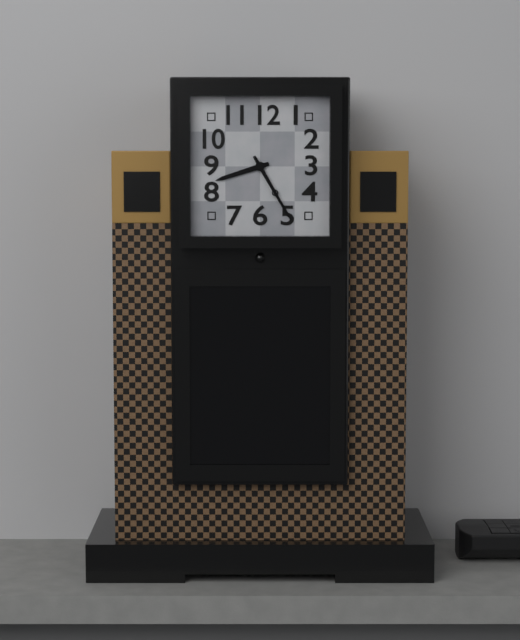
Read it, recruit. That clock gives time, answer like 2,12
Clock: 8,25
